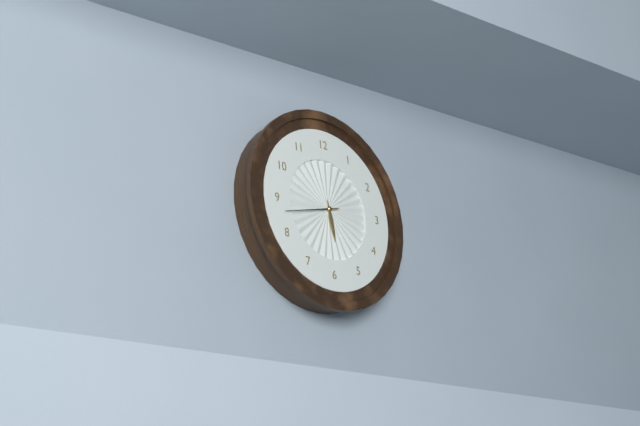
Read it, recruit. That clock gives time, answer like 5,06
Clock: 5,43
